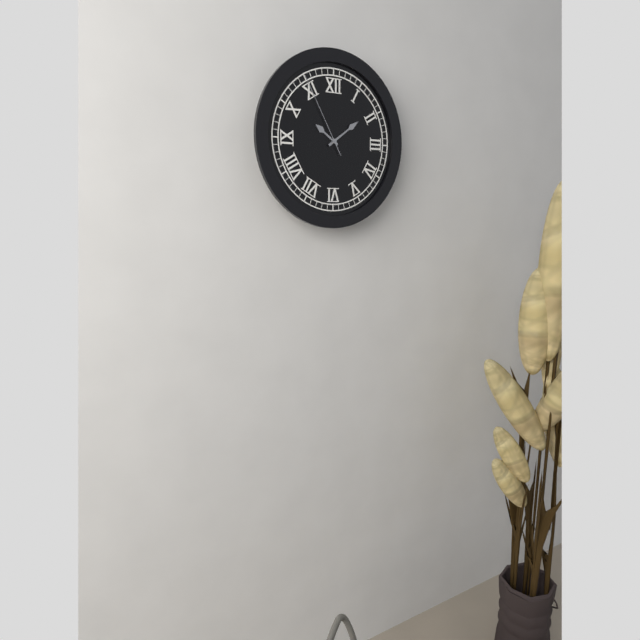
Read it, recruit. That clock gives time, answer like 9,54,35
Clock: 10,09,55
